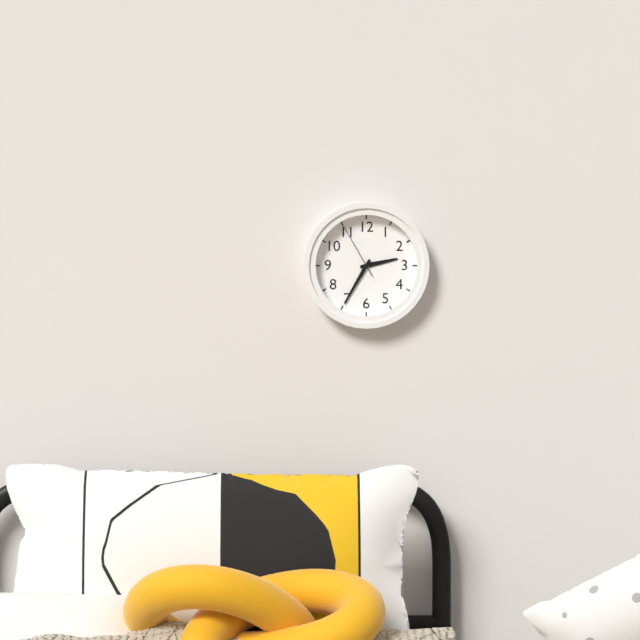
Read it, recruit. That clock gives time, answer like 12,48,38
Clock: 2,35,55
